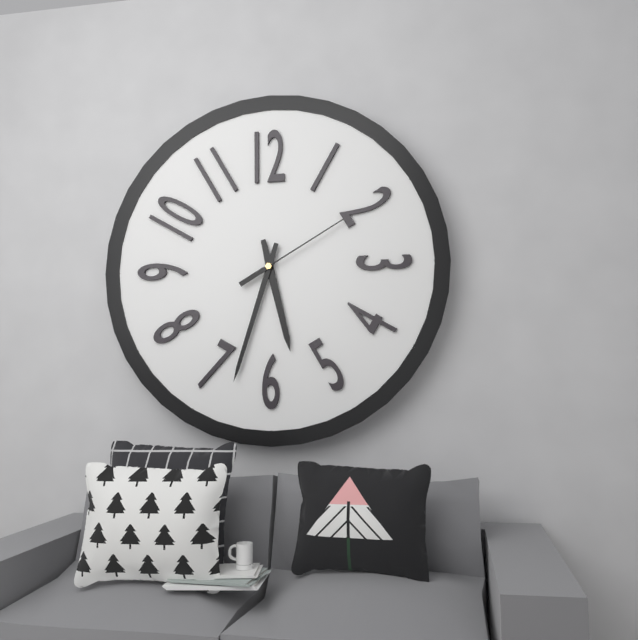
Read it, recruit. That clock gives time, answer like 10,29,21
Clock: 5,33,10
